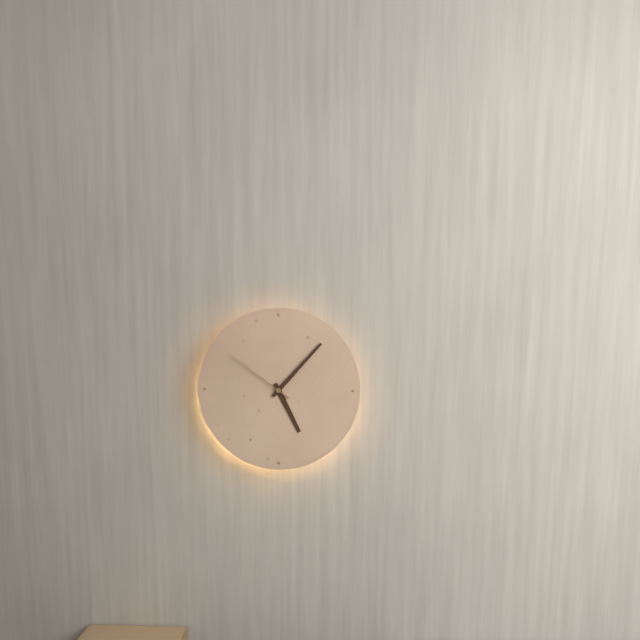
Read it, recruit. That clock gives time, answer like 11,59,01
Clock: 5,07,51
